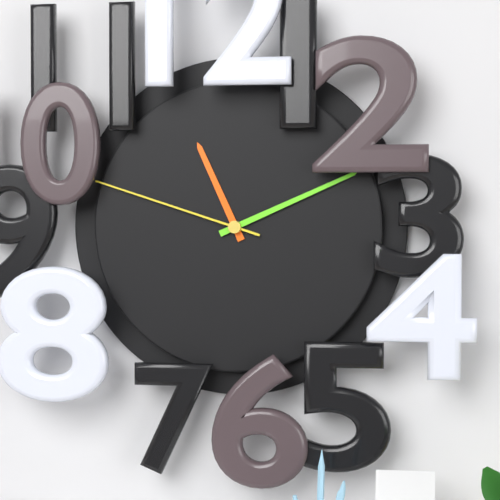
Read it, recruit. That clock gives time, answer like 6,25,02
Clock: 11,11,48
